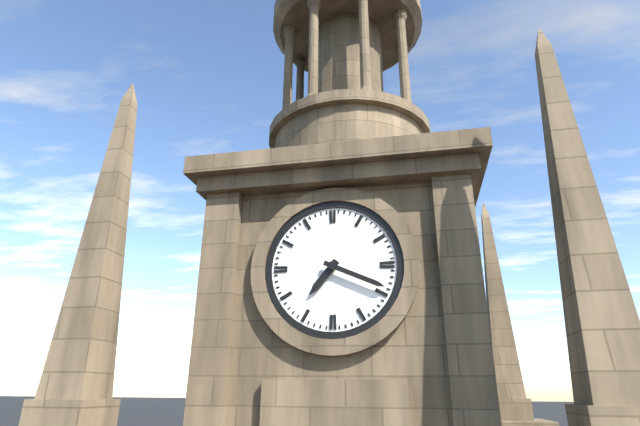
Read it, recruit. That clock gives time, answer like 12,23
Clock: 7,19
